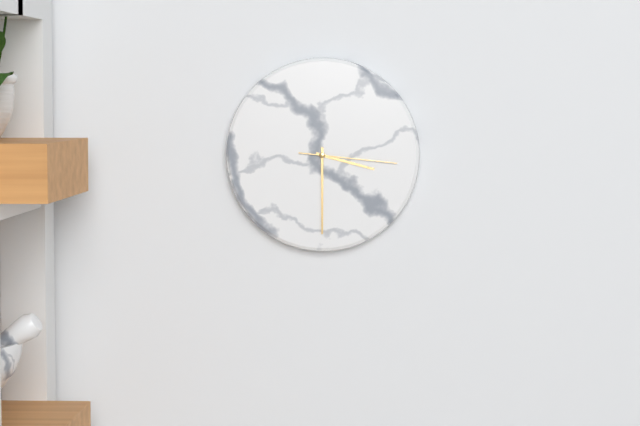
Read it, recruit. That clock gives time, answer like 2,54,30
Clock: 3,30,16
